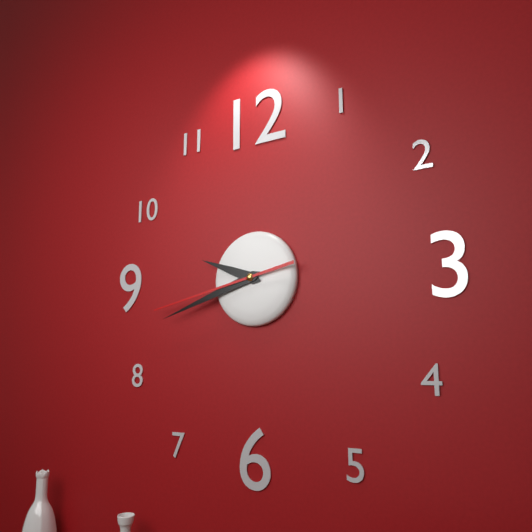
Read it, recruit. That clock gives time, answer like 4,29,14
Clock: 9,42,43
